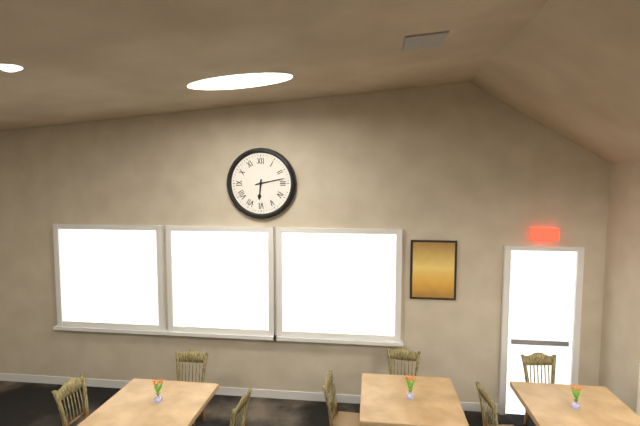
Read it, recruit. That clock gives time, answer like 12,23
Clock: 6,13
